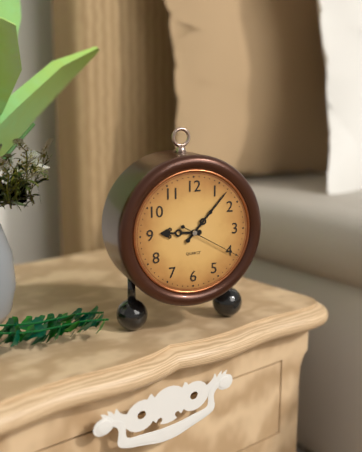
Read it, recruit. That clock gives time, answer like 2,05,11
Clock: 9,07,20
